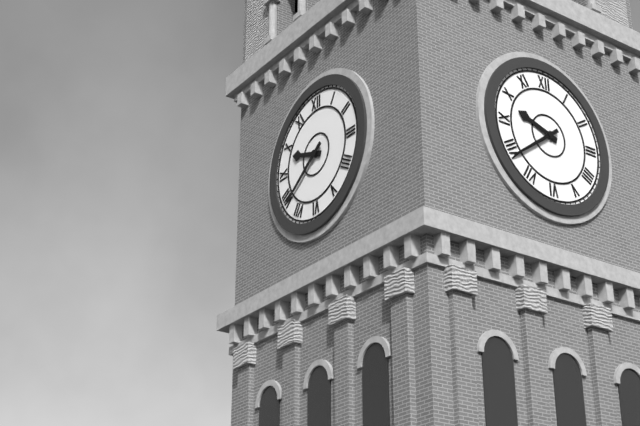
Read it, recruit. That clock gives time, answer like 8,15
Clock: 9,39
